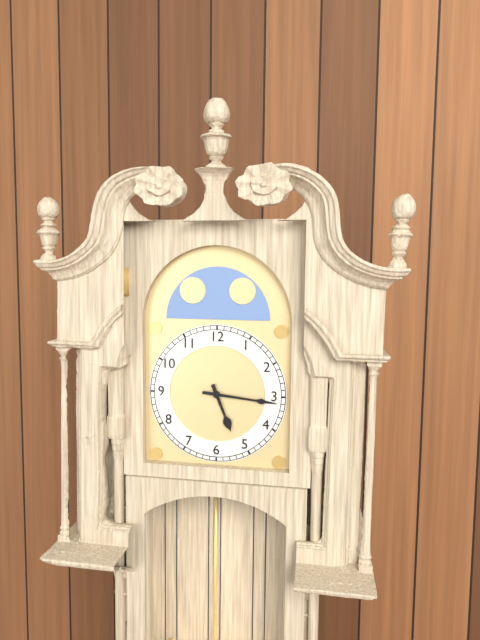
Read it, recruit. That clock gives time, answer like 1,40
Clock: 5,16
